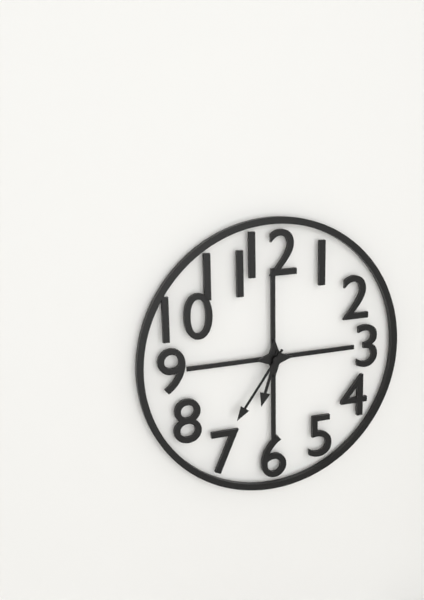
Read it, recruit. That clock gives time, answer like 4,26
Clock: 6,36
